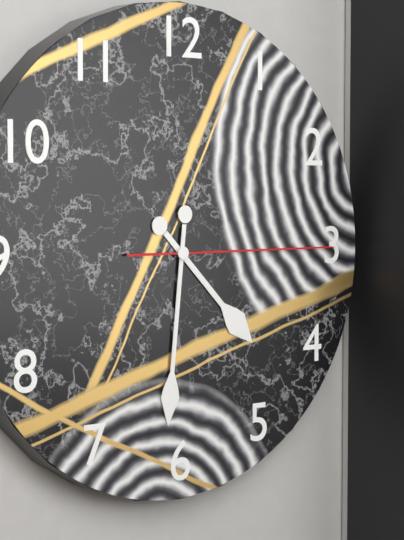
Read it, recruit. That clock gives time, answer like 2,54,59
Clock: 4,31,15
